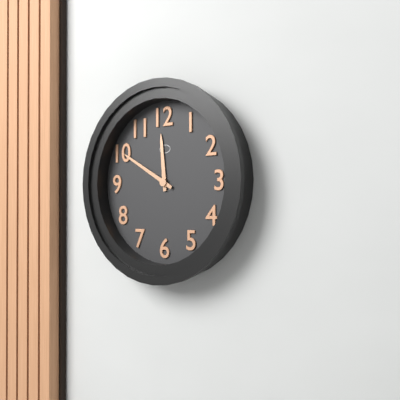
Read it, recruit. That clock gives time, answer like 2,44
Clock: 11,50
